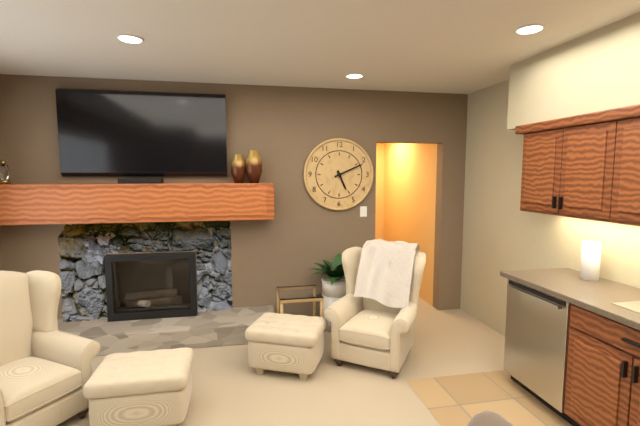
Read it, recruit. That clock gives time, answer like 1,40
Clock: 5,11
